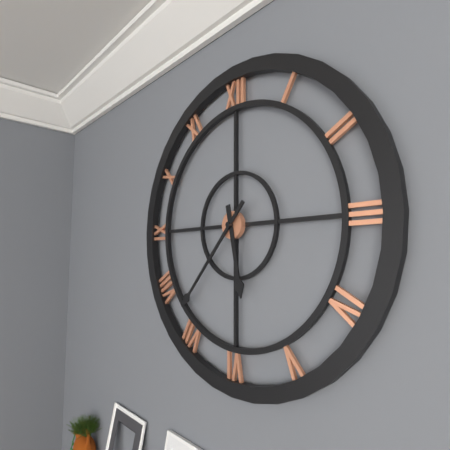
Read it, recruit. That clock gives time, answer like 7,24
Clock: 5,37
